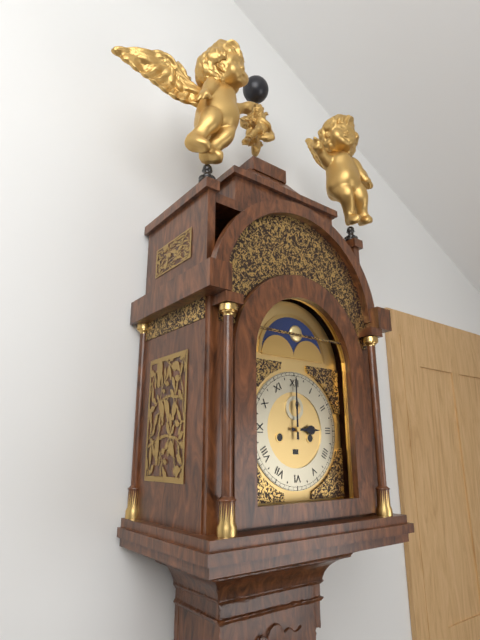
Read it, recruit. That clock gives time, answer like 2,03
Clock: 3,00
